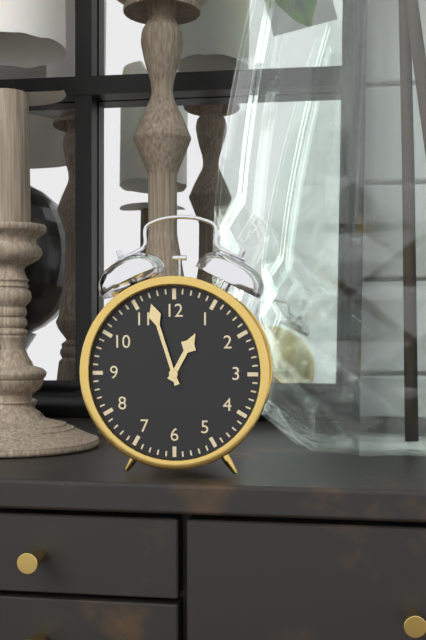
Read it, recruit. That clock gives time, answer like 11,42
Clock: 12,57
